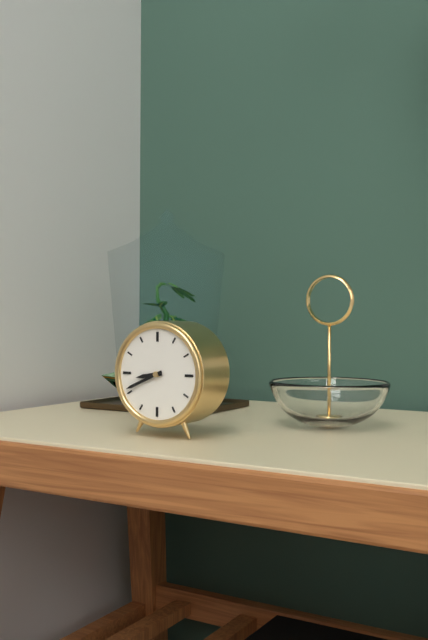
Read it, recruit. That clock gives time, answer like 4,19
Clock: 8,41
